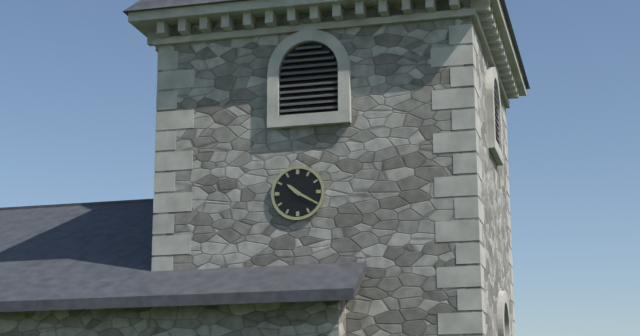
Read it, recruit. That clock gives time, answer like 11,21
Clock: 10,20
